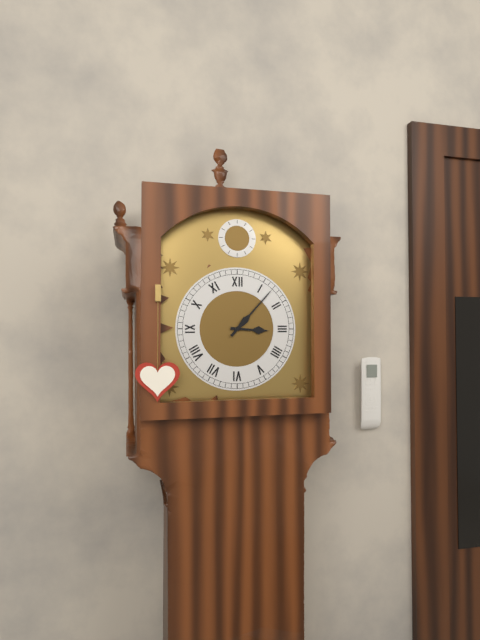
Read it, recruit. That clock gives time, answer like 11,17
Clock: 3,07
